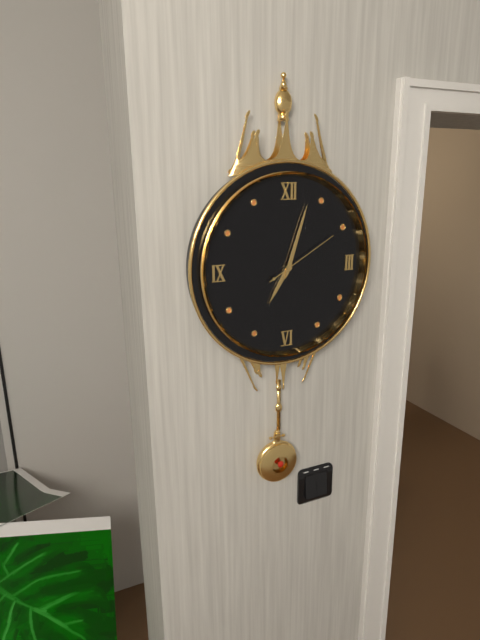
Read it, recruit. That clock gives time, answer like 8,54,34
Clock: 7,03,10
